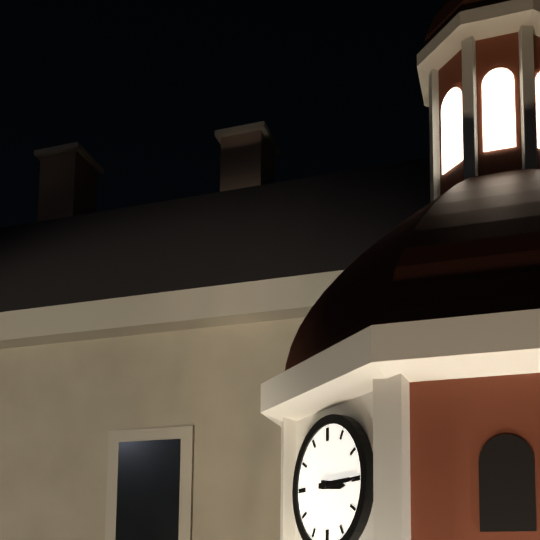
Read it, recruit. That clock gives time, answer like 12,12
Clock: 3,15
